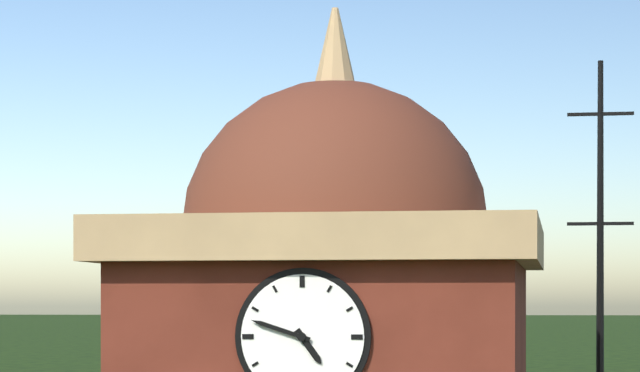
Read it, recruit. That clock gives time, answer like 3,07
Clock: 4,48
